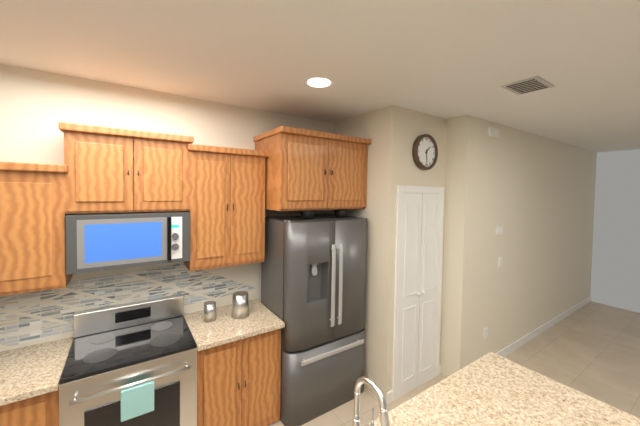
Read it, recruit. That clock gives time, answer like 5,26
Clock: 1,29
